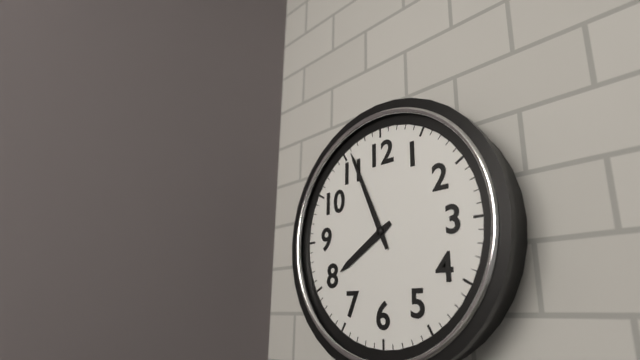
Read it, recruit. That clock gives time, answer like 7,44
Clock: 7,56
